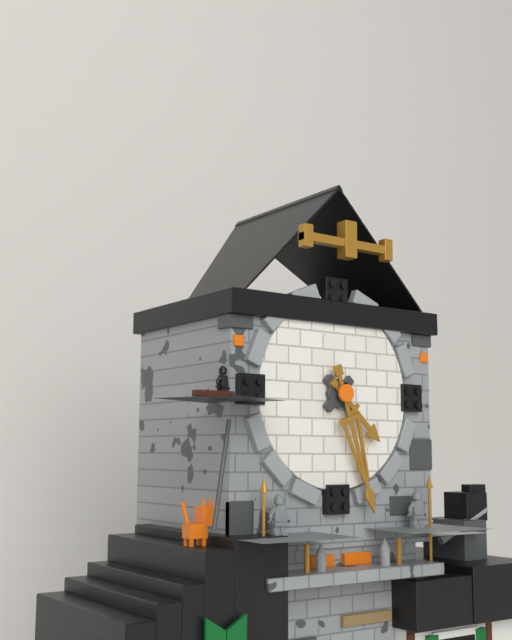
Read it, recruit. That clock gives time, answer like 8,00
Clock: 4,27
